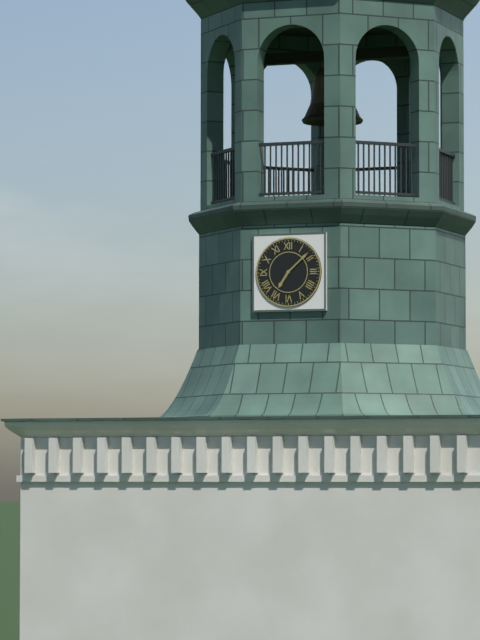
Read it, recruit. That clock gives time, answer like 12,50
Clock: 7,08
